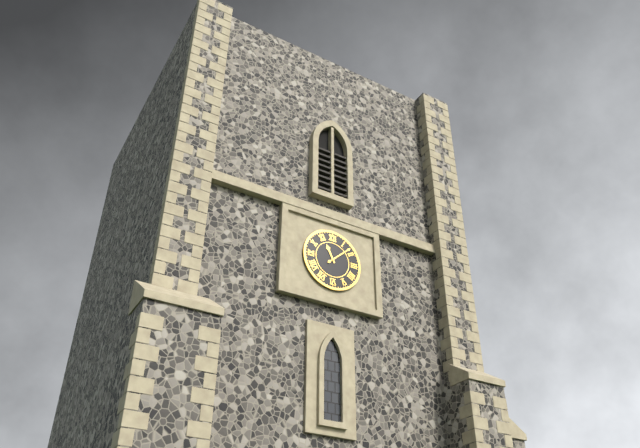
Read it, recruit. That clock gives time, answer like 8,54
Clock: 11,08
